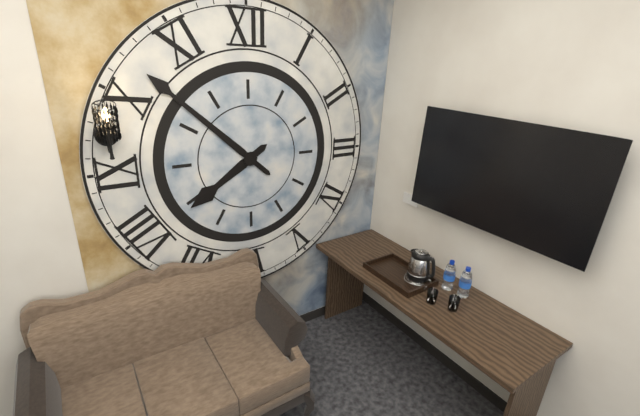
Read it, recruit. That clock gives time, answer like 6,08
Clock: 7,52
